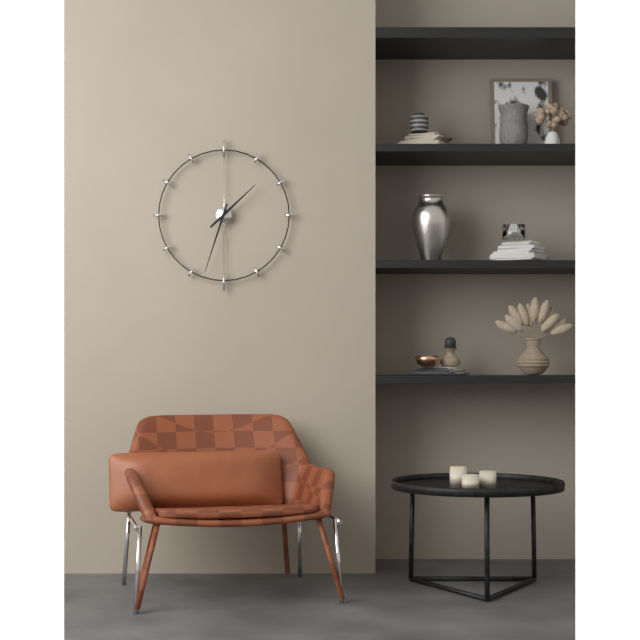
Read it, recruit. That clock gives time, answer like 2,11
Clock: 1,33
